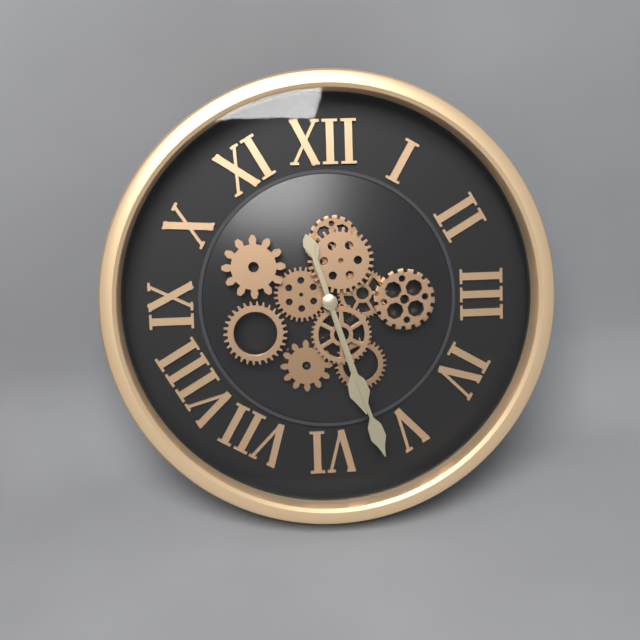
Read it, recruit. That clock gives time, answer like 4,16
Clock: 5,27
